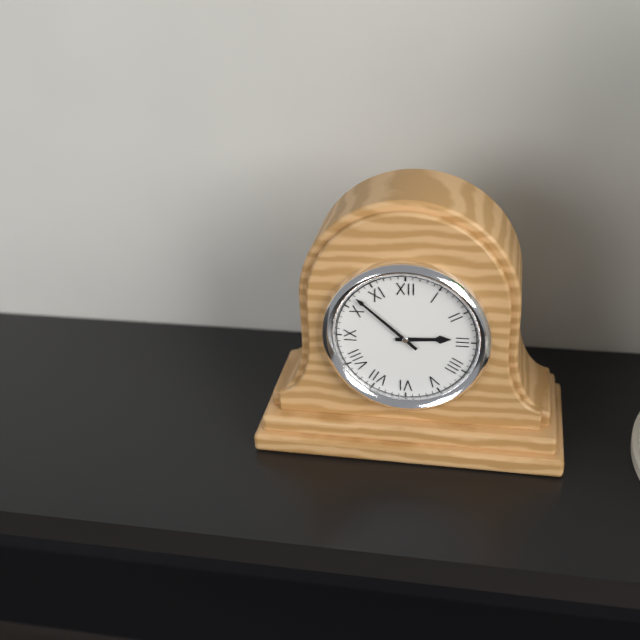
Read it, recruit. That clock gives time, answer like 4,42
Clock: 2,52
